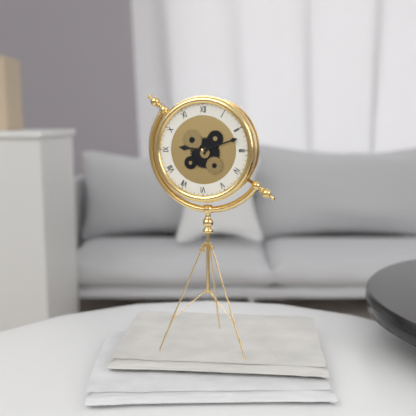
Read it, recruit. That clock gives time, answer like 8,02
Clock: 9,12
